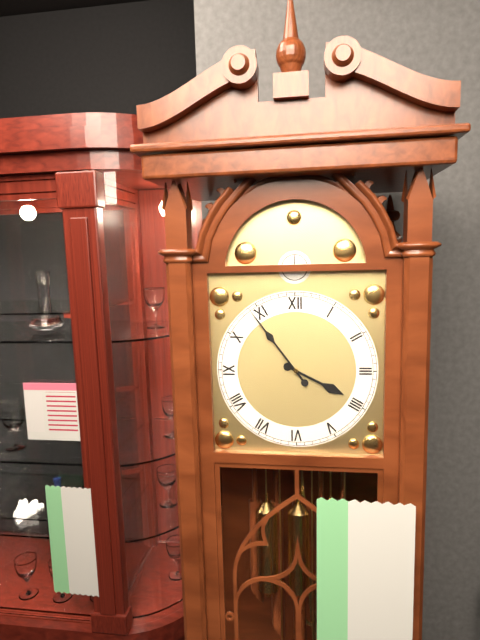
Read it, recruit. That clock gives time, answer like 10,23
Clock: 3,54
